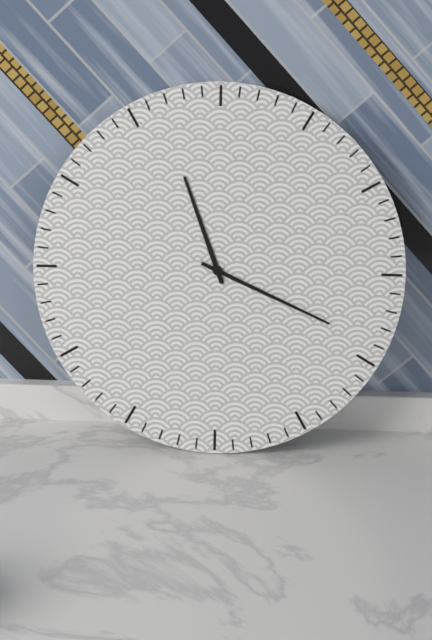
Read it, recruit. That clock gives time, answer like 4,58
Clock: 11,19
